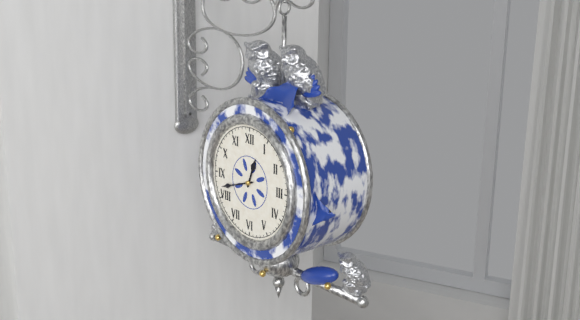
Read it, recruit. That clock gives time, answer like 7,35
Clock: 12,42
